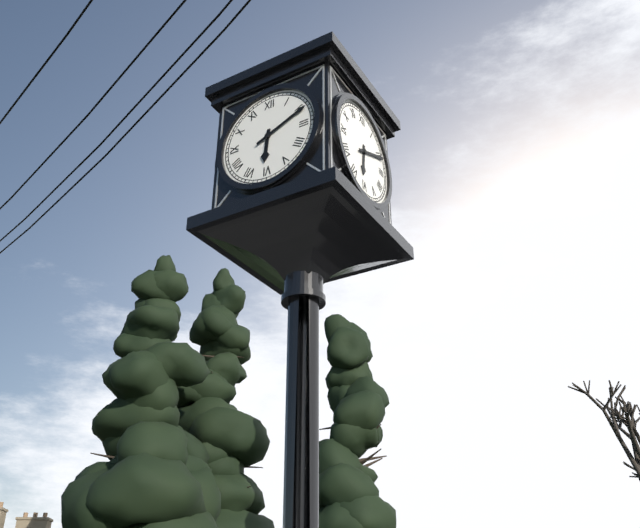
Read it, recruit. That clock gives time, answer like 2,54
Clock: 6,11
